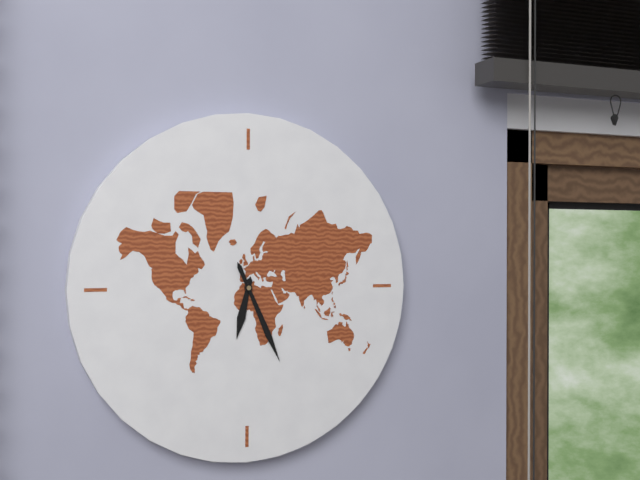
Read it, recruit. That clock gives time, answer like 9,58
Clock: 6,26
